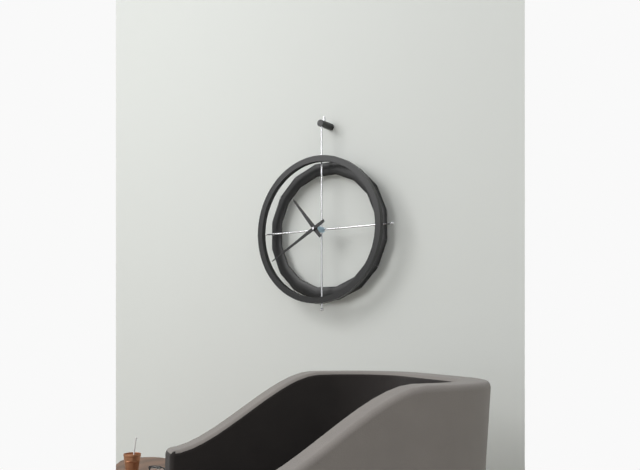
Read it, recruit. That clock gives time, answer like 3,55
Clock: 10,40
